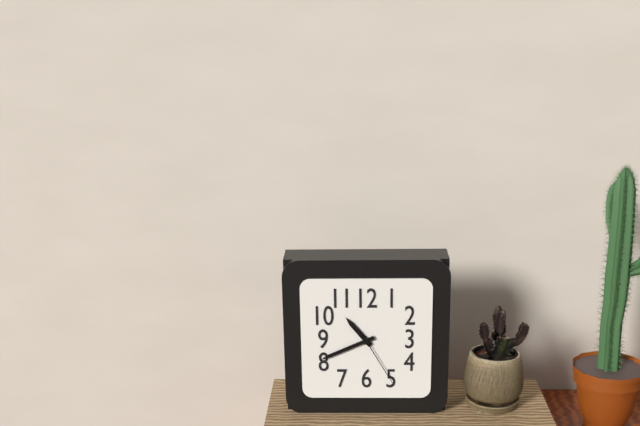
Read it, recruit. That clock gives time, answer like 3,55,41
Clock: 10,41,25
